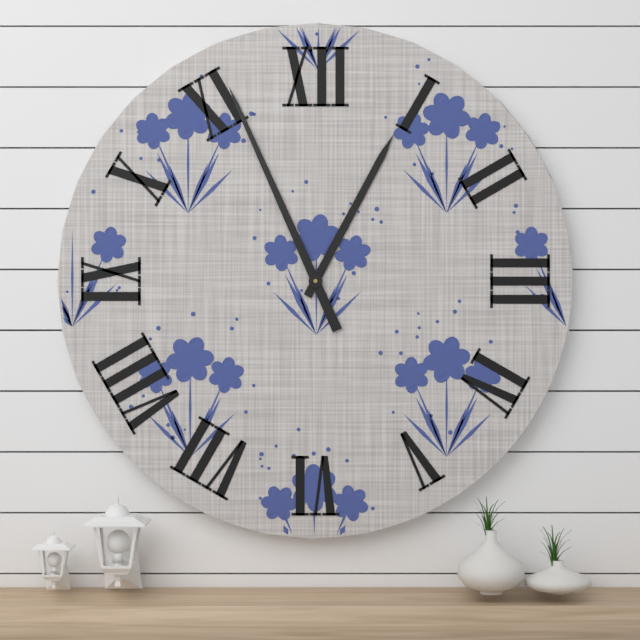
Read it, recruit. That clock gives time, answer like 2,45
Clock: 12,56
